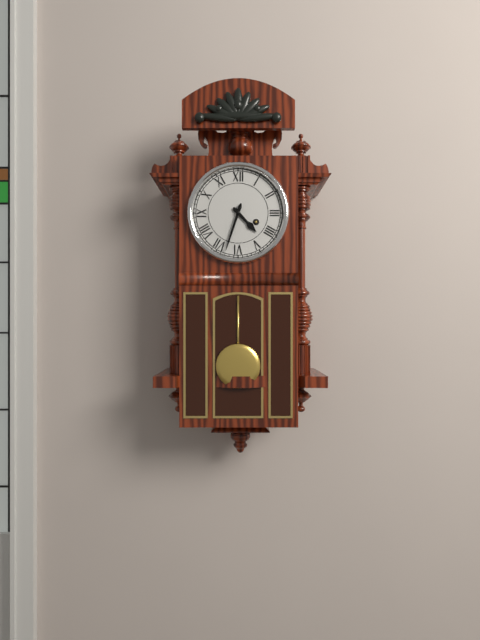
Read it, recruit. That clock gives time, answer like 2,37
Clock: 4,33
